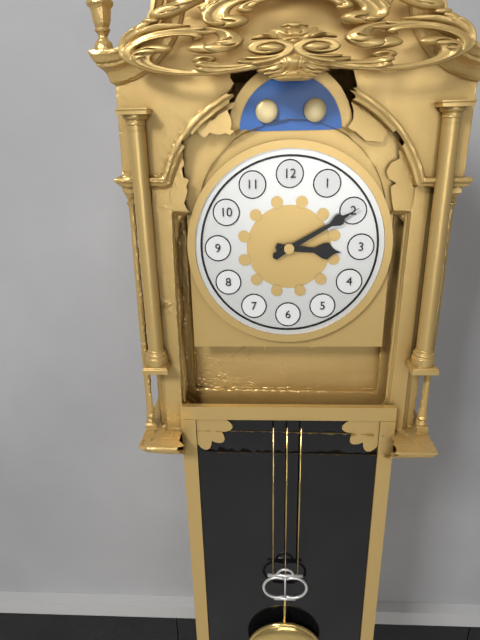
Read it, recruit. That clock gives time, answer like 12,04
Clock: 3,10
